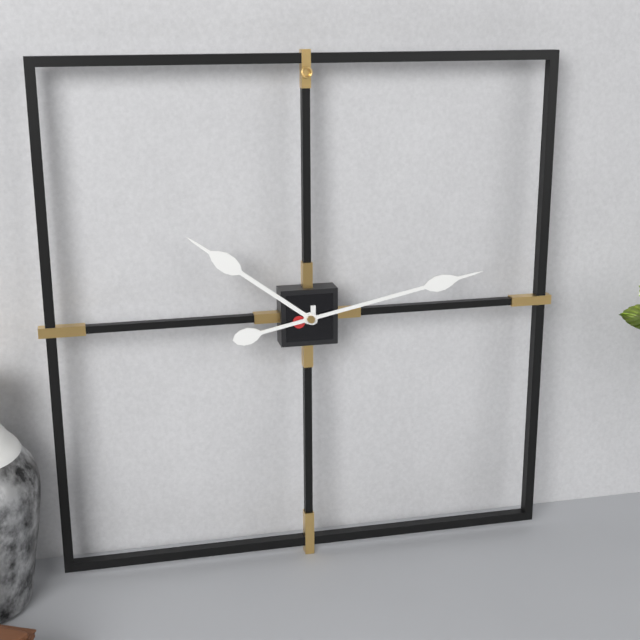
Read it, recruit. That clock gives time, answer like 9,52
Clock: 10,13
